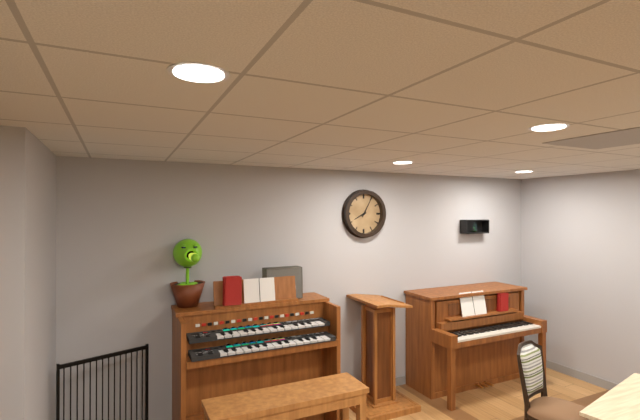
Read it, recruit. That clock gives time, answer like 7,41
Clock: 8,05
